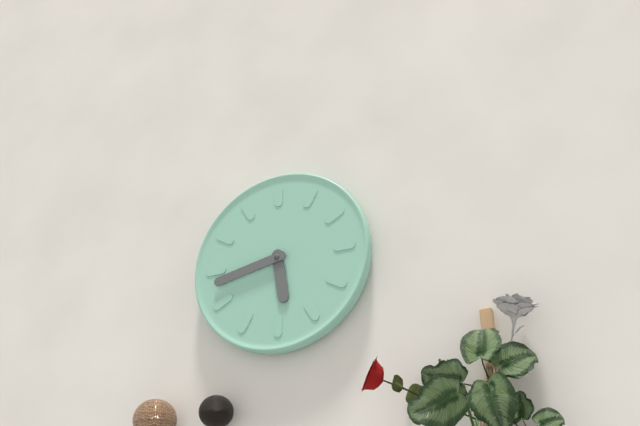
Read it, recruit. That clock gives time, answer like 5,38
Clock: 5,43
